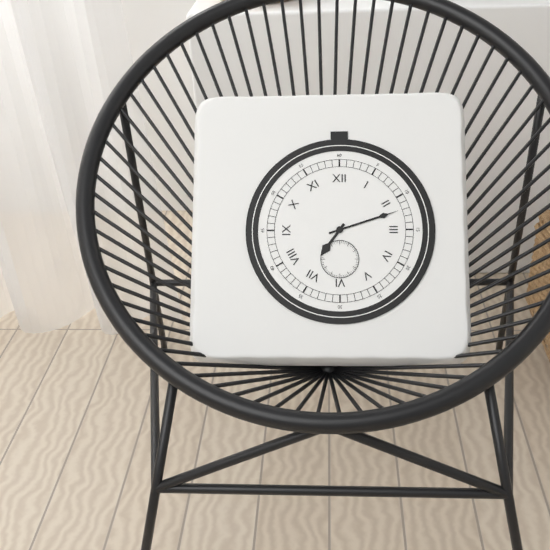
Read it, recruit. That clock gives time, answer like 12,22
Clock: 7,12
